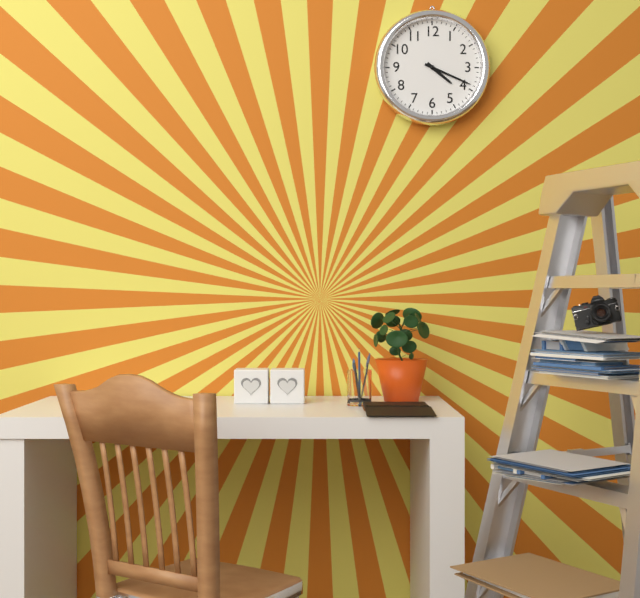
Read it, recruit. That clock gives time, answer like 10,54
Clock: 4,19
